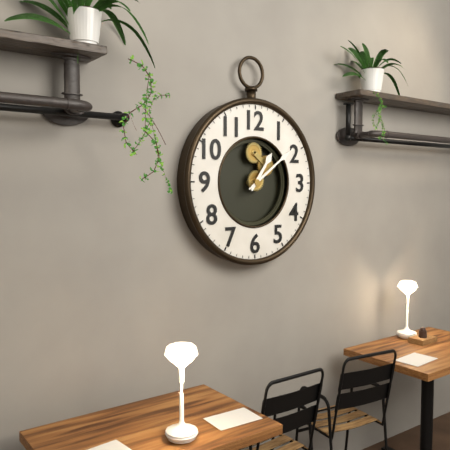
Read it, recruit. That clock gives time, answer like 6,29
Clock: 1,09
